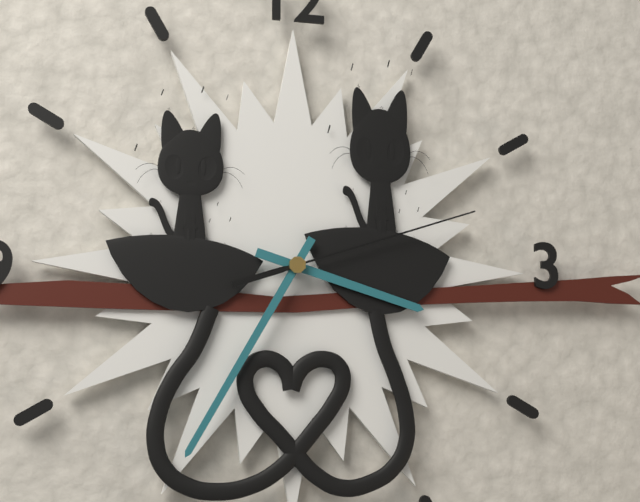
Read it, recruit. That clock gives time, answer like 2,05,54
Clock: 3,35,12
